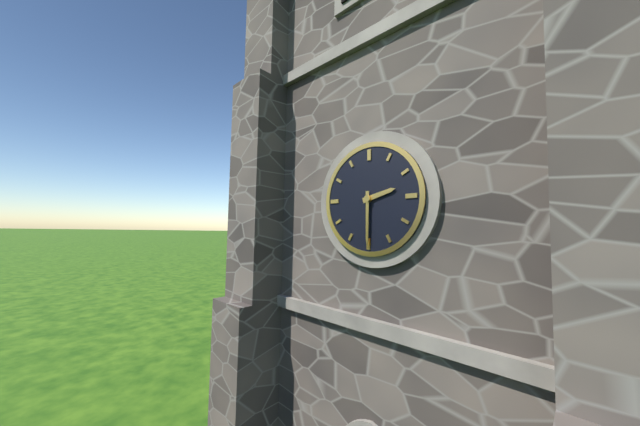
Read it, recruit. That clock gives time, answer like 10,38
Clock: 2,30
